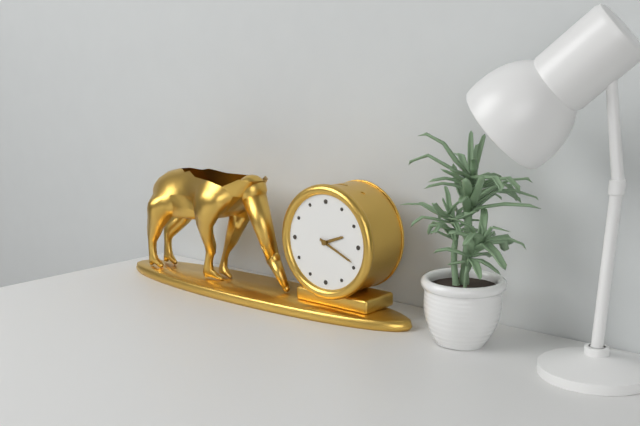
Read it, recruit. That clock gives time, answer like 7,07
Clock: 2,19
